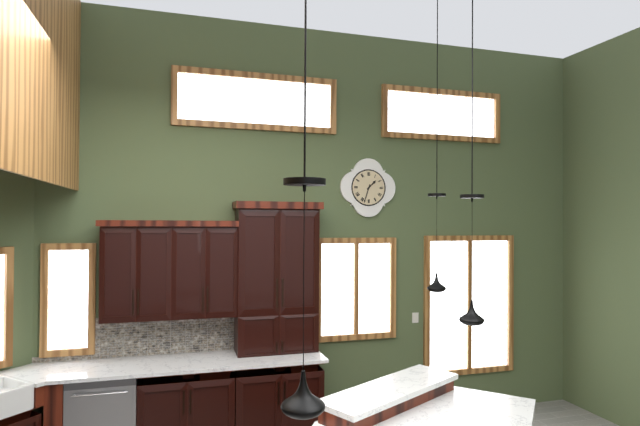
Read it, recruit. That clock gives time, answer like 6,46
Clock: 1,33
